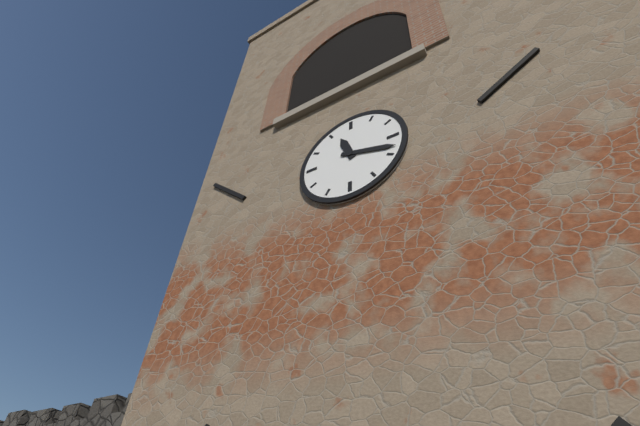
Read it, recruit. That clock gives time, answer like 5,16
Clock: 11,18
